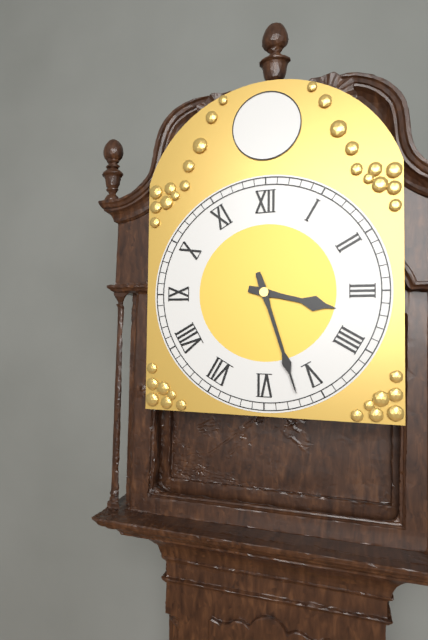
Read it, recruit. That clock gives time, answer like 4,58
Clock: 3,27
